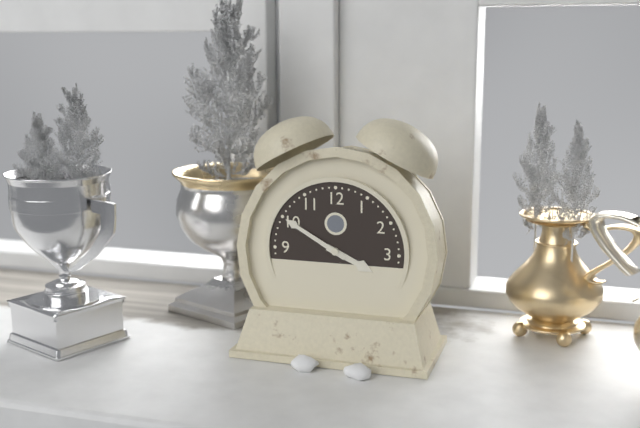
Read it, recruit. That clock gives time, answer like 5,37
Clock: 3,50
